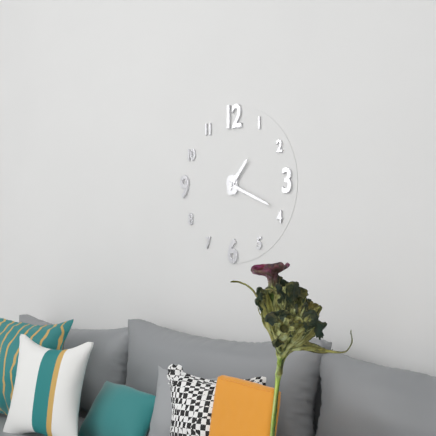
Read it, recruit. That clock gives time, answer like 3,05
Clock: 1,19
